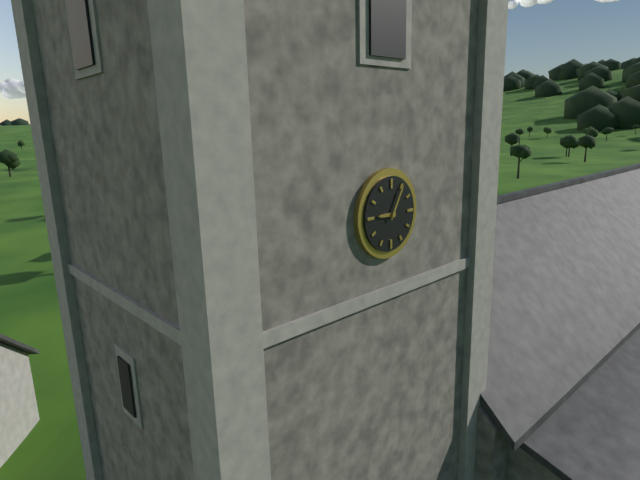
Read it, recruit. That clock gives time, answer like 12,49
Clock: 9,05
